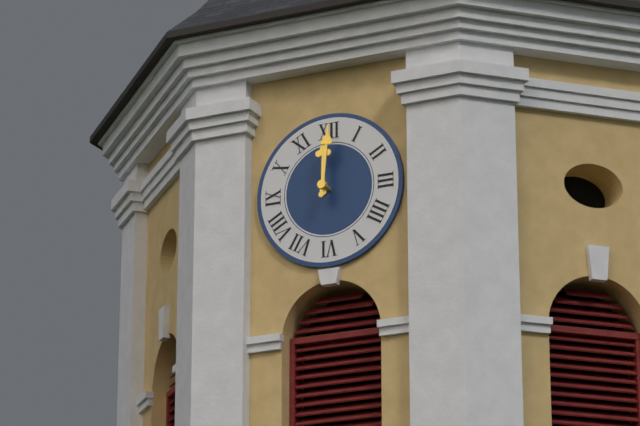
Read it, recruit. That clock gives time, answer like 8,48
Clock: 12,01
